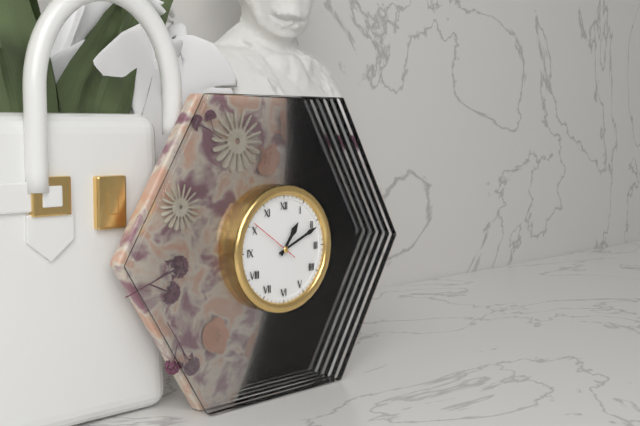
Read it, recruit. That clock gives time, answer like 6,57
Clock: 1,11
